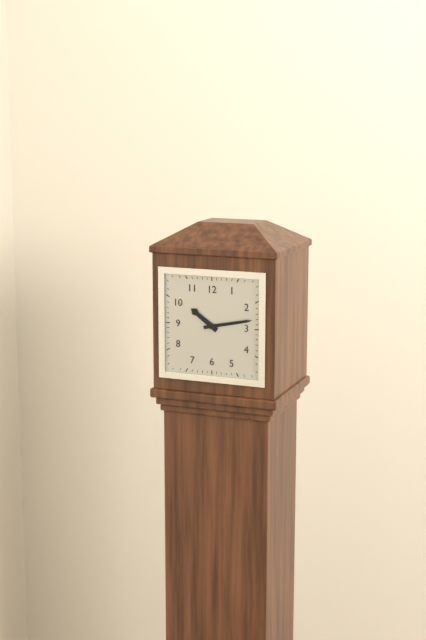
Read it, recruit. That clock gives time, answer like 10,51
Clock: 10,13
